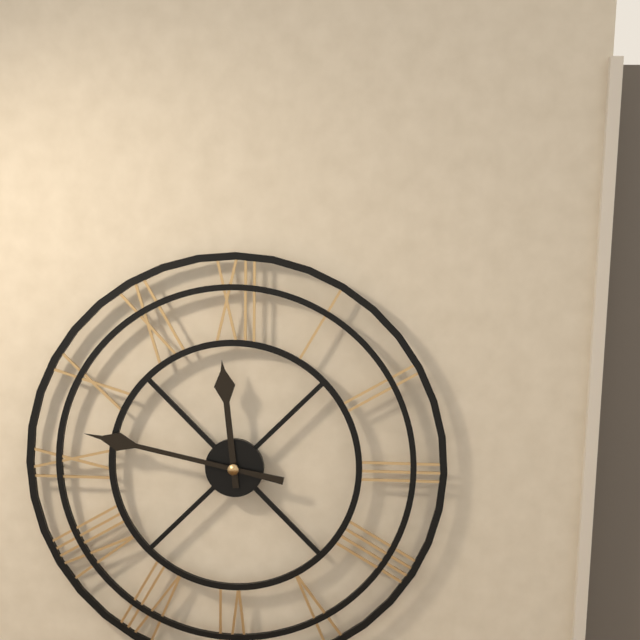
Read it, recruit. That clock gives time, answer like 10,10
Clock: 11,47
